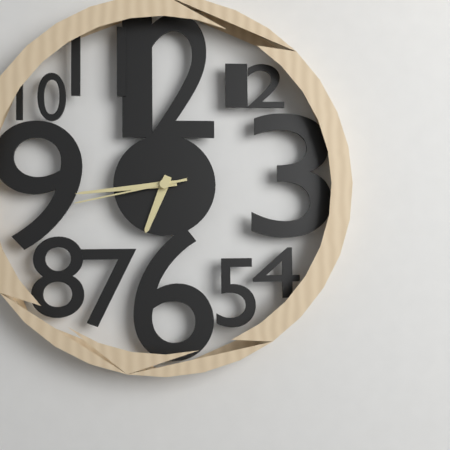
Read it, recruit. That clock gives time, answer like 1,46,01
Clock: 6,44,43
